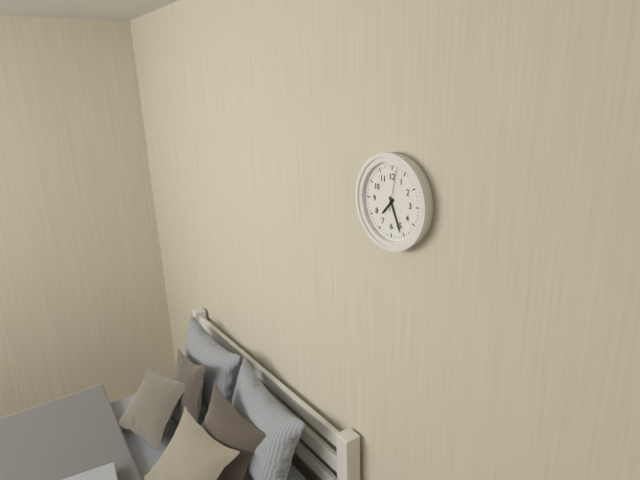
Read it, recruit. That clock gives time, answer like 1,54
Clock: 7,26
